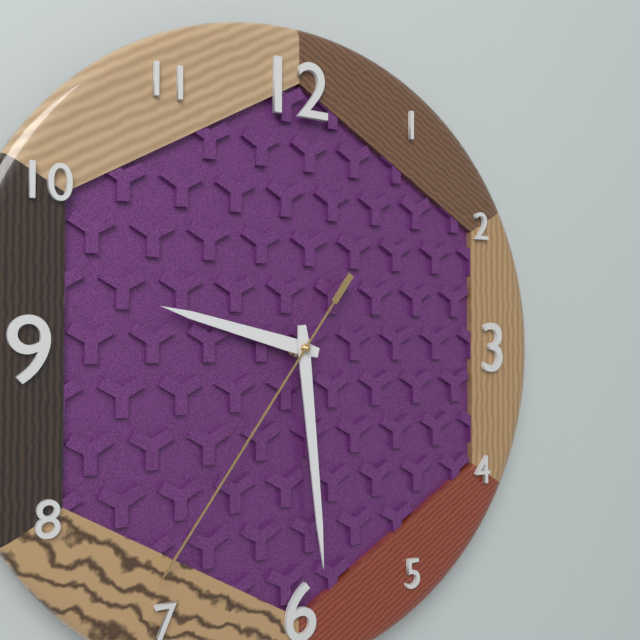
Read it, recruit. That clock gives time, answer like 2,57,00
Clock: 9,29,36
